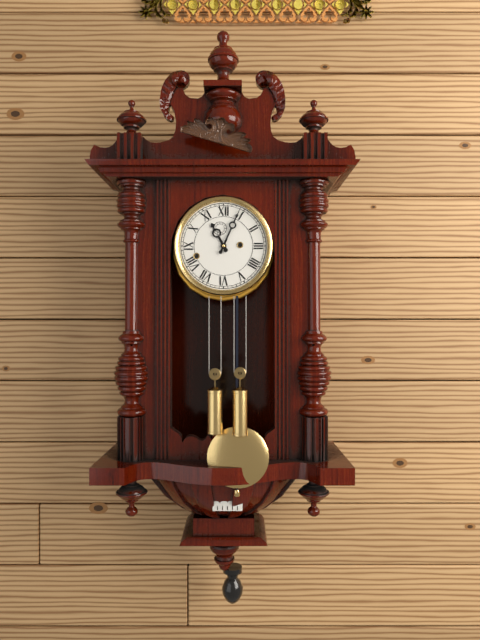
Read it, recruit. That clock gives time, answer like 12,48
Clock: 11,04
